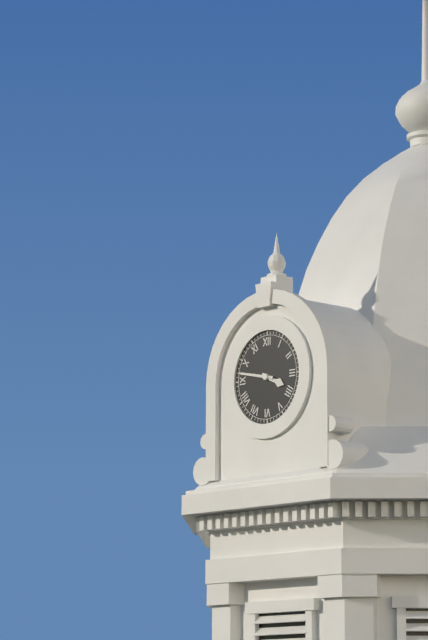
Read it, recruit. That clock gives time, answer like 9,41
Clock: 3,47
